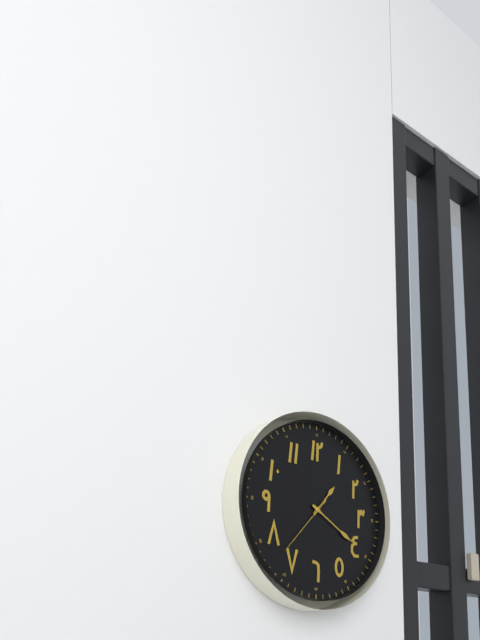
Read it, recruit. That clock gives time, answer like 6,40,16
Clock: 1,20,37
